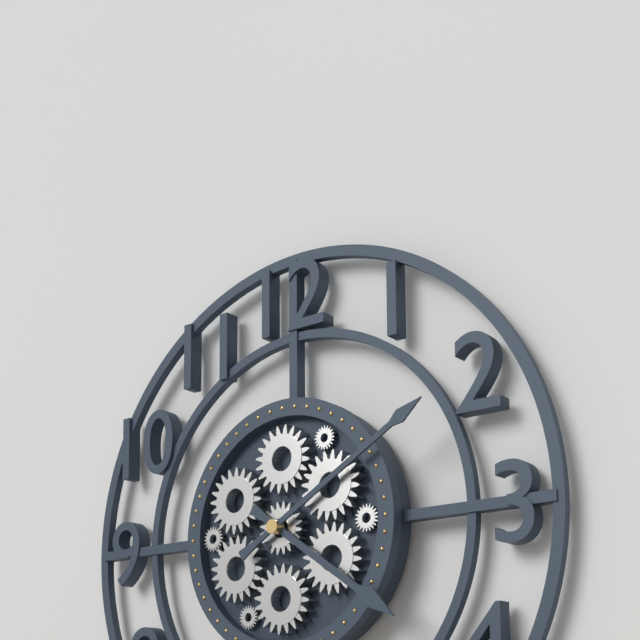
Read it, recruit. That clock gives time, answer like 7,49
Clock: 4,10
